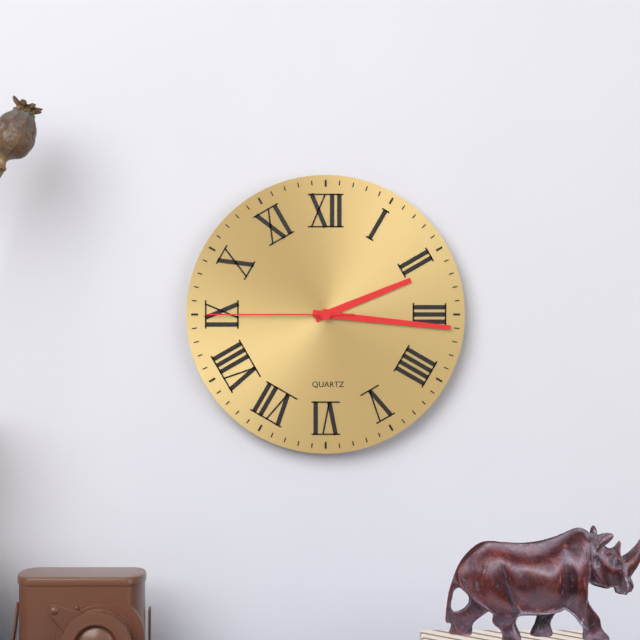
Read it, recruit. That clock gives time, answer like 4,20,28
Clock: 2,16,45
